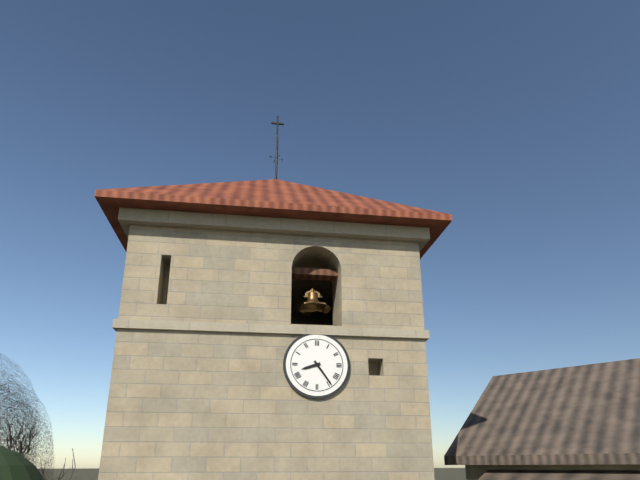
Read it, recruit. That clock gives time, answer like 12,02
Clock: 8,24
